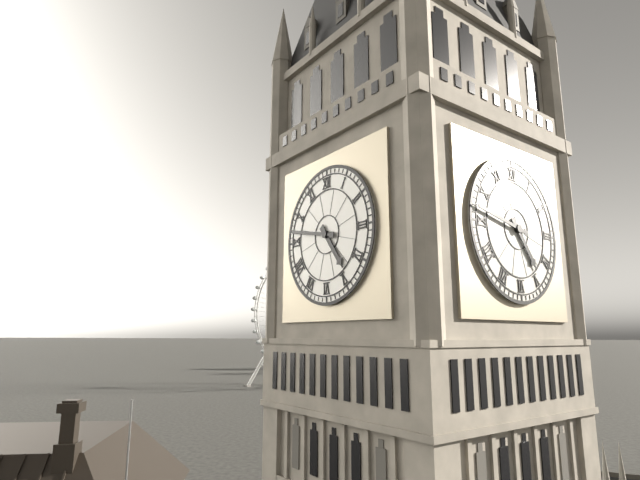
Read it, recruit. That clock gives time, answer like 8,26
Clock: 4,47
